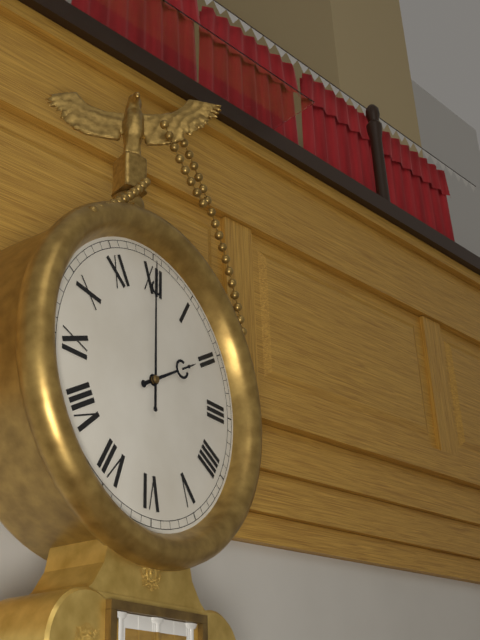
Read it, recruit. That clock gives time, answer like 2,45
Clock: 2,00
